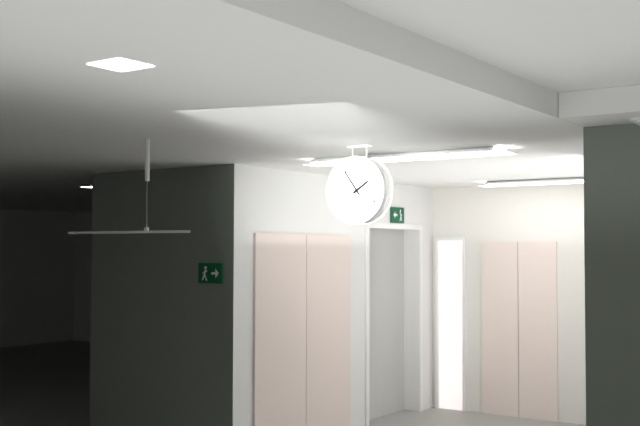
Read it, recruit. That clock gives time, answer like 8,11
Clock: 1,54
